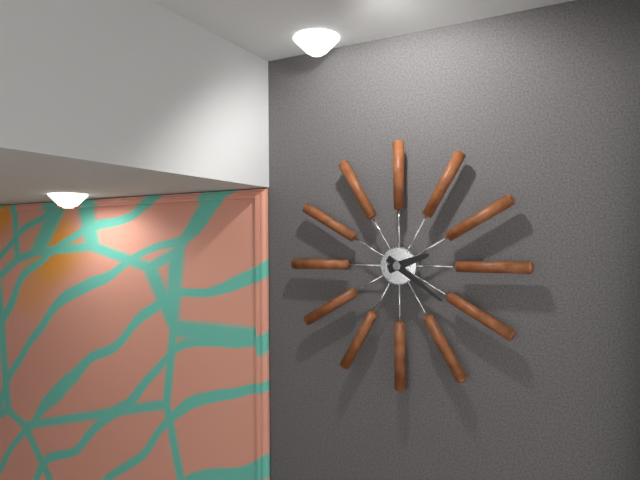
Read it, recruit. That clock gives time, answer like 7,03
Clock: 2,21
